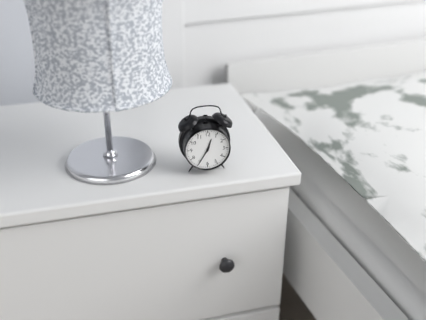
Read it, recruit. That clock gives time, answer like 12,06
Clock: 12,35
